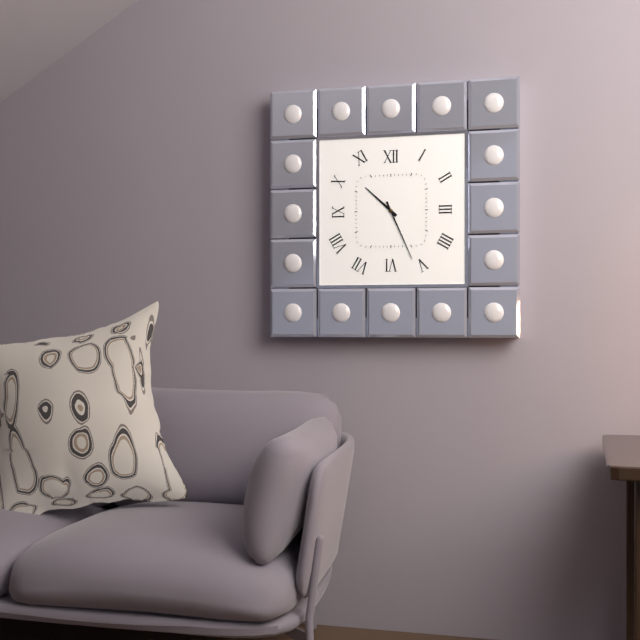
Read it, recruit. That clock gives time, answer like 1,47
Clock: 10,26
